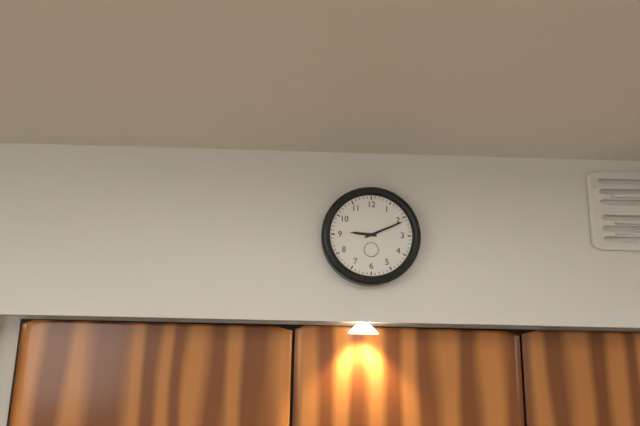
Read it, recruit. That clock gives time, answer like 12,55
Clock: 9,11
